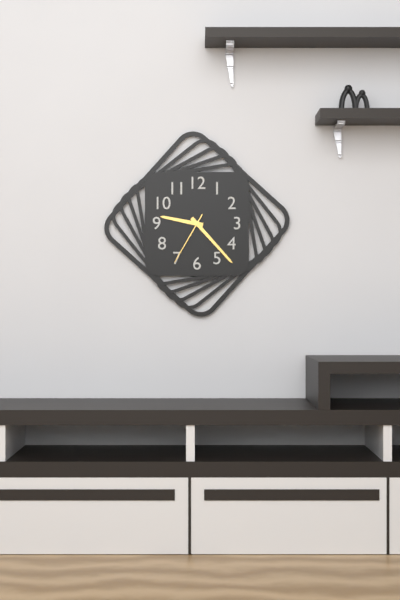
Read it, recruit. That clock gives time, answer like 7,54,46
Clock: 9,23,35
